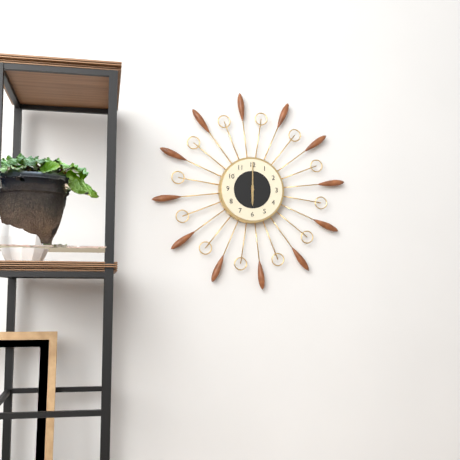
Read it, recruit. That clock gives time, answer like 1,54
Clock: 6,00
